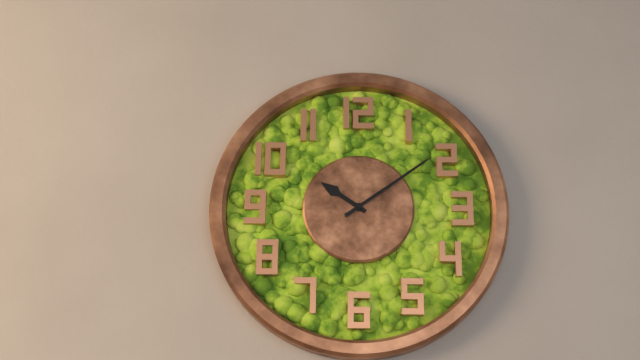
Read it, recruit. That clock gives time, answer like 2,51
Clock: 10,09
